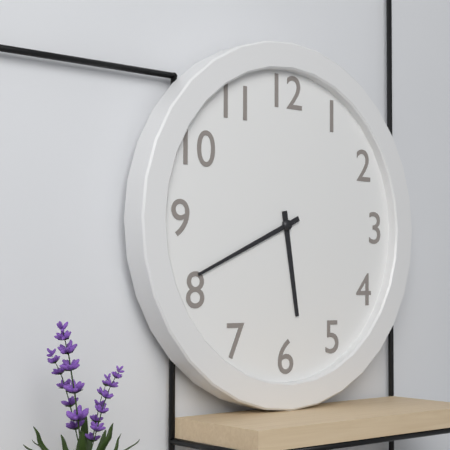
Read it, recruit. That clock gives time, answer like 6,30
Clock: 5,41
